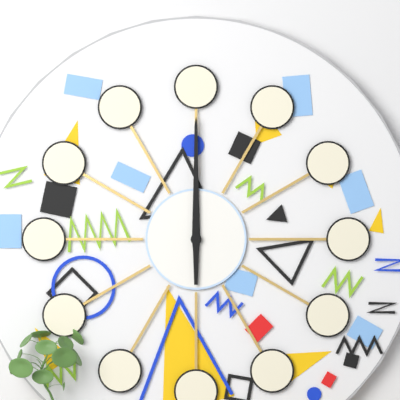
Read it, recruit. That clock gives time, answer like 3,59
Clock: 12,00
